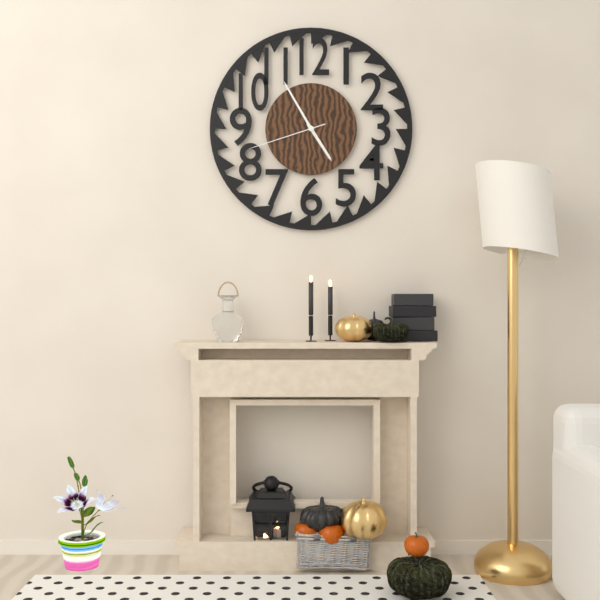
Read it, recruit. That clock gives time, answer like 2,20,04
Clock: 4,55,42
